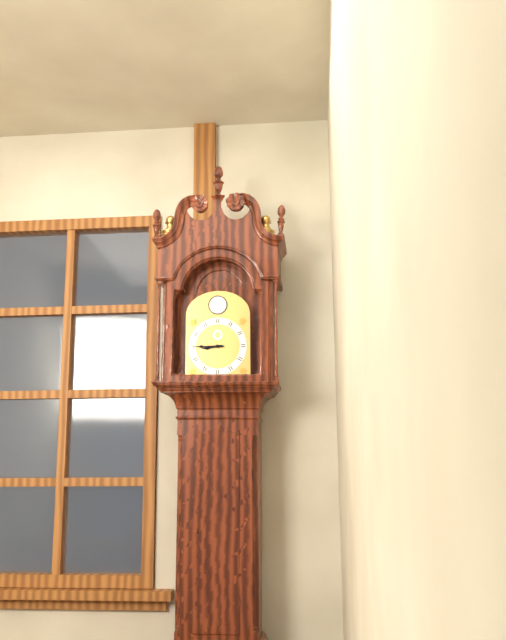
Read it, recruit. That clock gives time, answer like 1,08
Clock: 8,45
